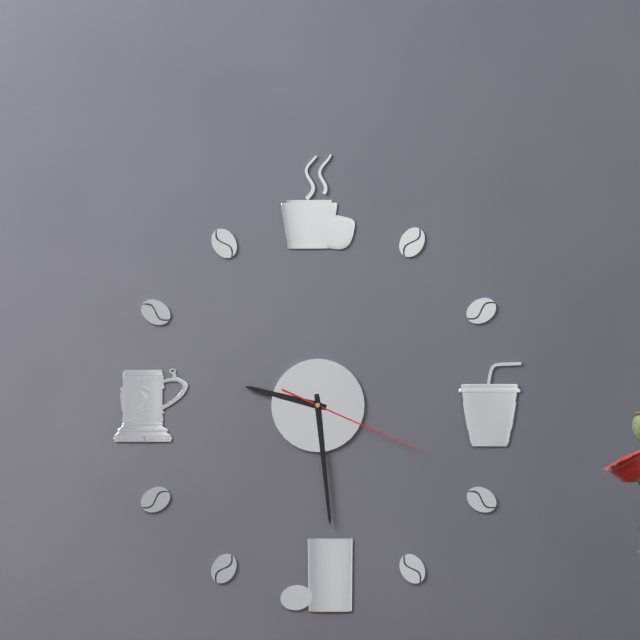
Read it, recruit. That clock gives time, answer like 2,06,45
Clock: 9,29,19
